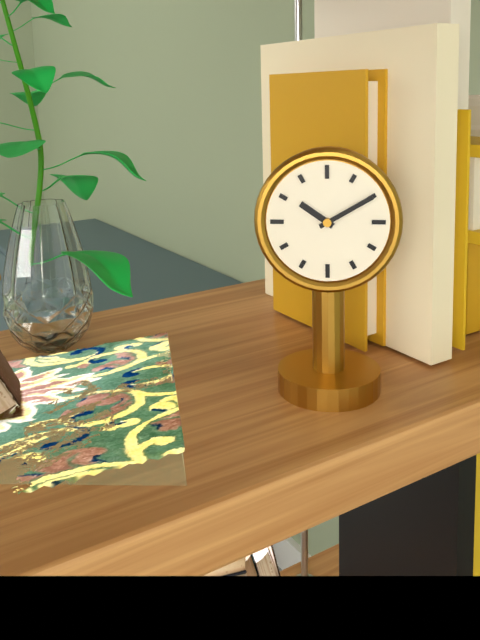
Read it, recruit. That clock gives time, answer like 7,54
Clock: 10,10
